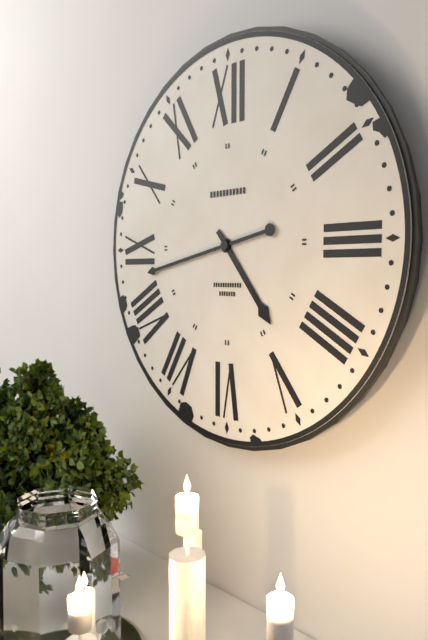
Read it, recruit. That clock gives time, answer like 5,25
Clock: 4,43
